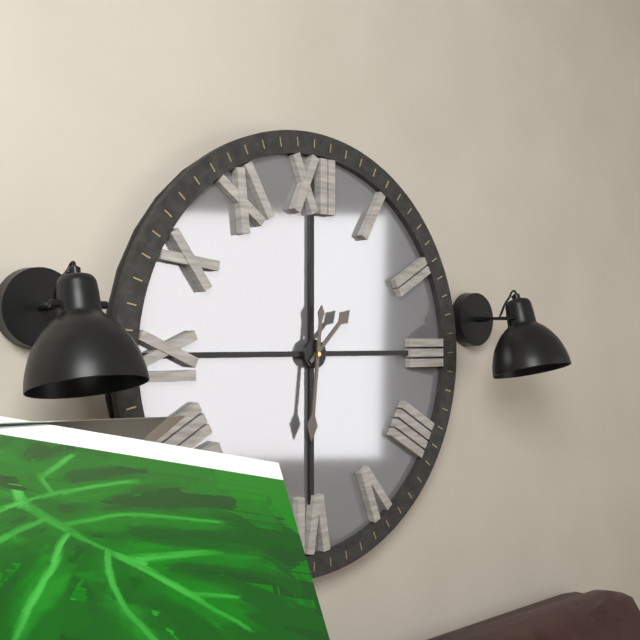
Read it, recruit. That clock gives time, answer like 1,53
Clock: 1,31
